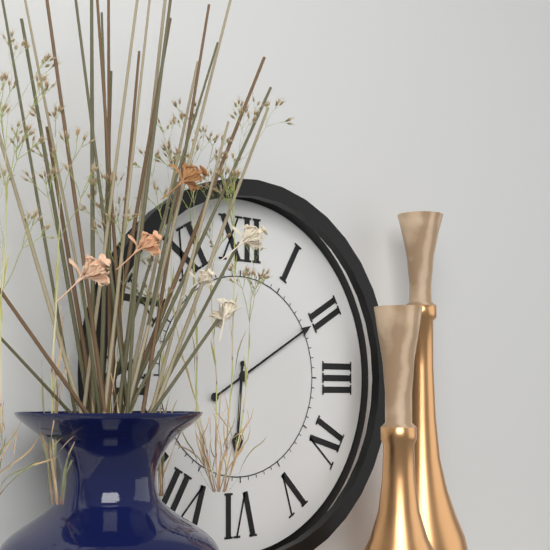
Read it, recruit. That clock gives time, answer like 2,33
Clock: 6,10
